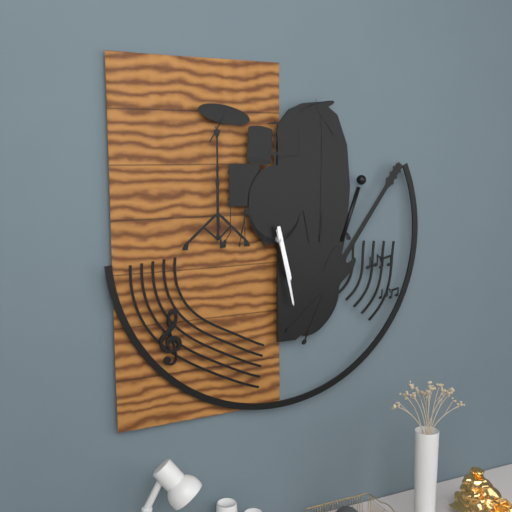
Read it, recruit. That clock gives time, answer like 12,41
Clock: 5,28
